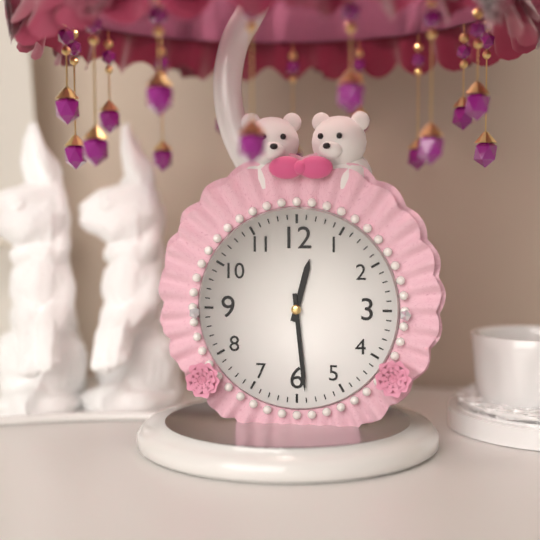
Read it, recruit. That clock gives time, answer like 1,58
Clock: 12,29
